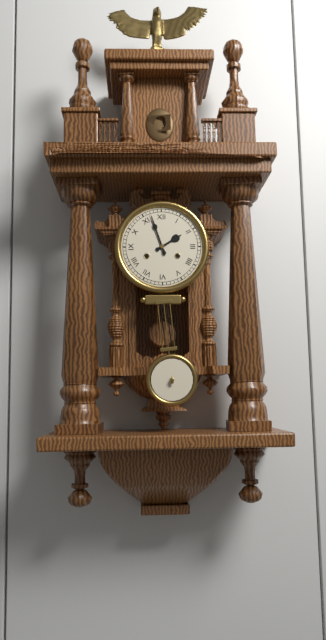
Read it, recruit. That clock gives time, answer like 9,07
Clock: 1,57
